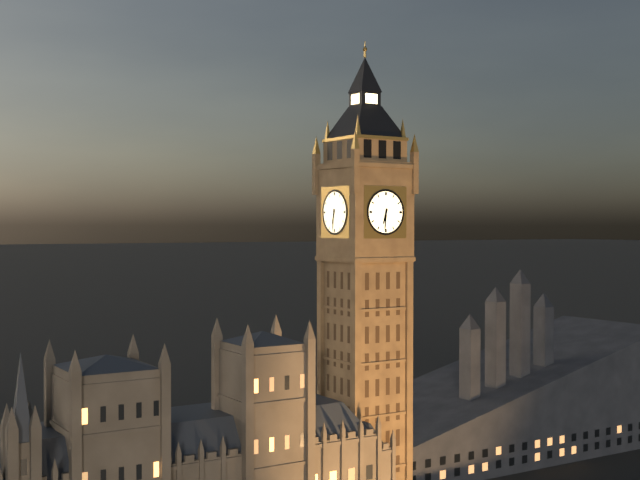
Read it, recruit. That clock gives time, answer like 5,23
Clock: 6,31
